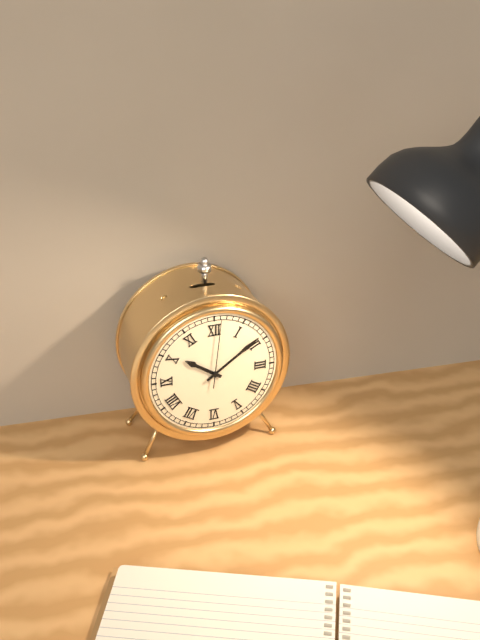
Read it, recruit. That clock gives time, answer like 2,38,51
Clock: 10,09,01
